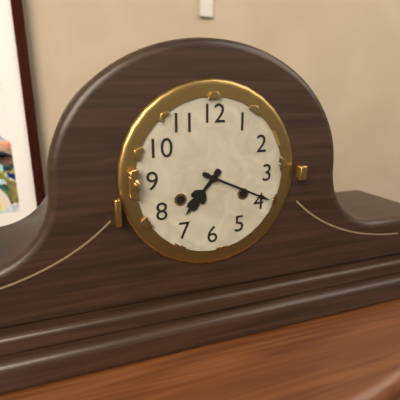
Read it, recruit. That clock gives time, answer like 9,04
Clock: 7,19
